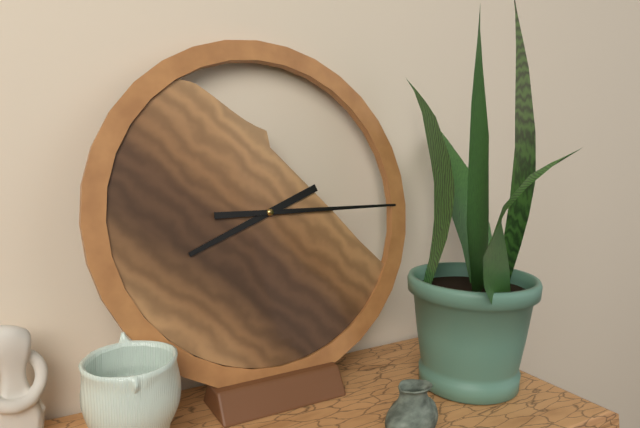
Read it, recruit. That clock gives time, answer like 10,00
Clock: 8,15
